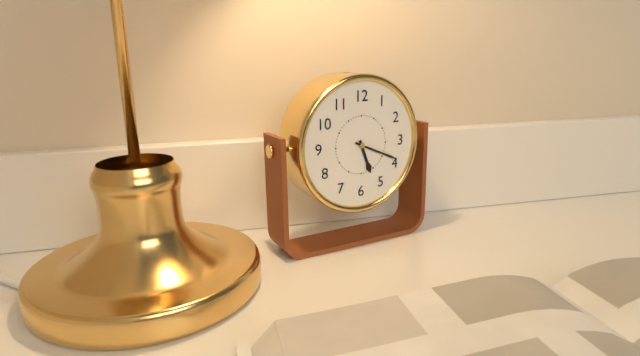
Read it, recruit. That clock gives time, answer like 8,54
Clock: 5,19
